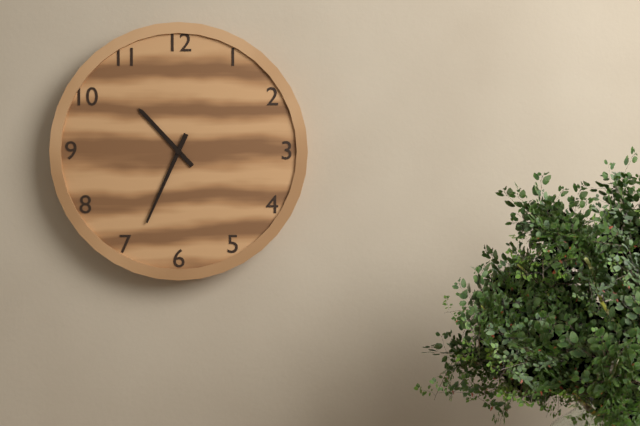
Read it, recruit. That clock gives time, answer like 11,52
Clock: 10,34
